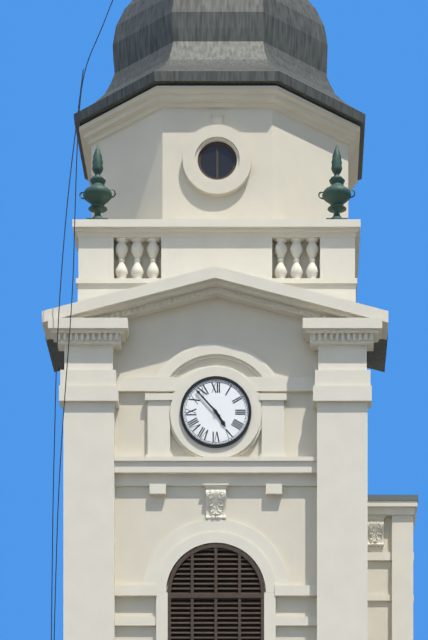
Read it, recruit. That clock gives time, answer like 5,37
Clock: 4,53
